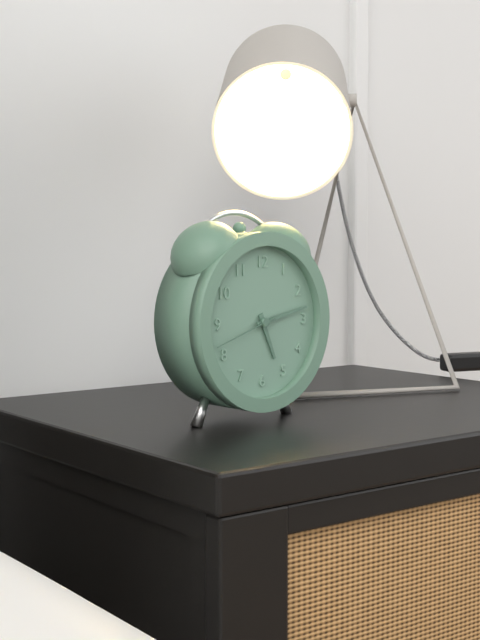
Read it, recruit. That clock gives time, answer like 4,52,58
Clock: 5,13,42
